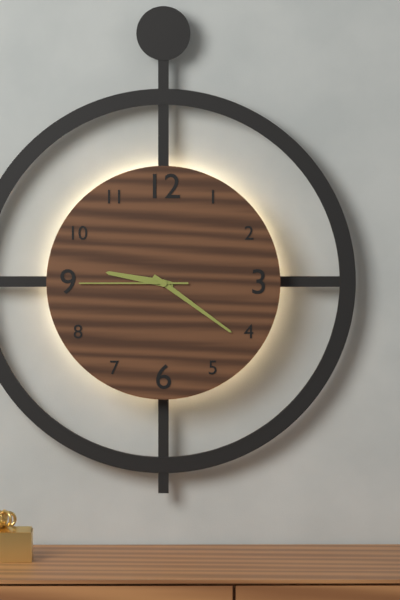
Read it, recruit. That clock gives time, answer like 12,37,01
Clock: 9,21,45
